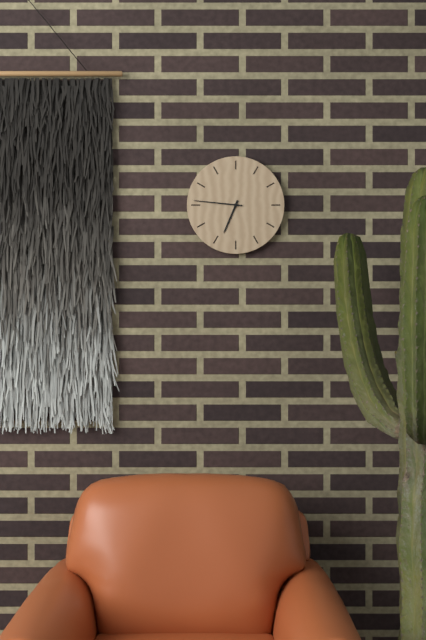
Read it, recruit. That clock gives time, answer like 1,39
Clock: 6,46
